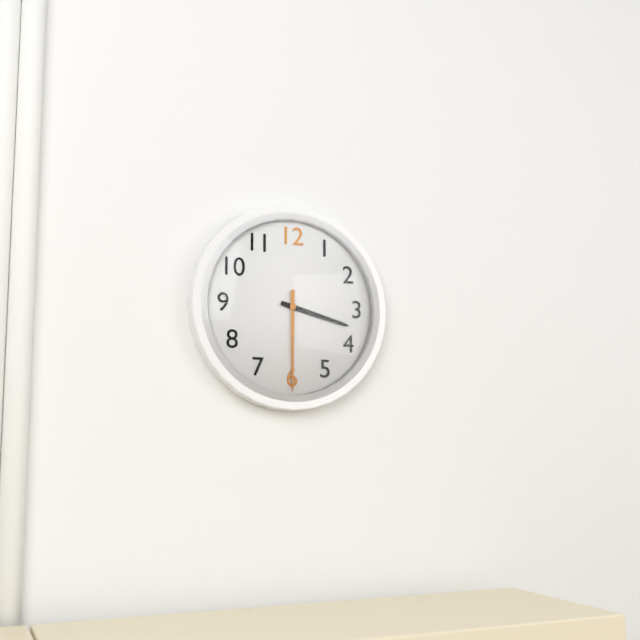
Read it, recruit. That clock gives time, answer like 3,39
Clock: 3,30
